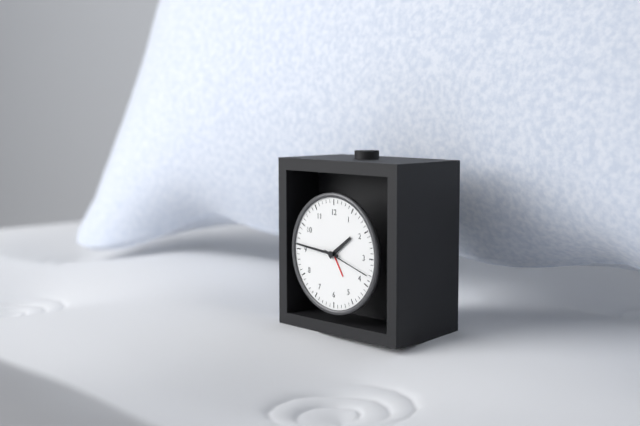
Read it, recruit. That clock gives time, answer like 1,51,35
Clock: 1,46,18
